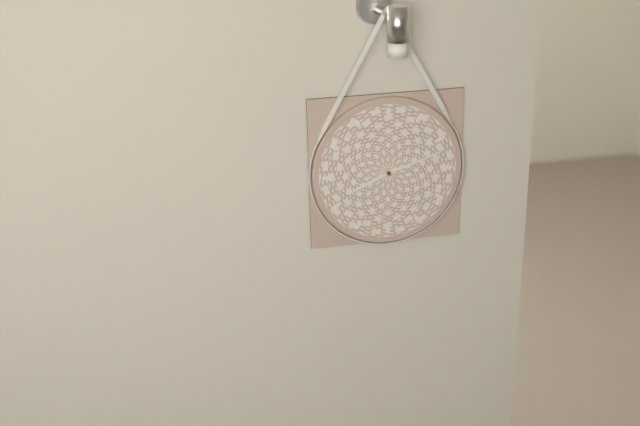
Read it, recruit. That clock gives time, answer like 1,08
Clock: 8,12
